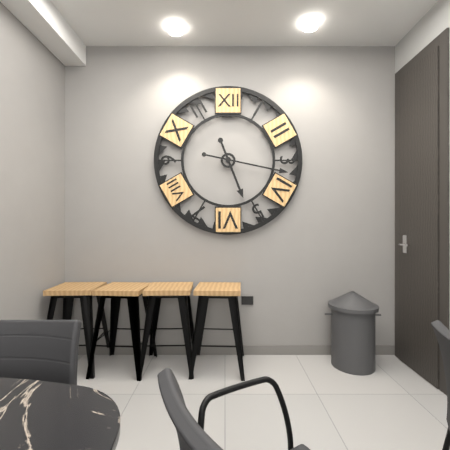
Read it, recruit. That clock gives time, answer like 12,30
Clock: 5,17
